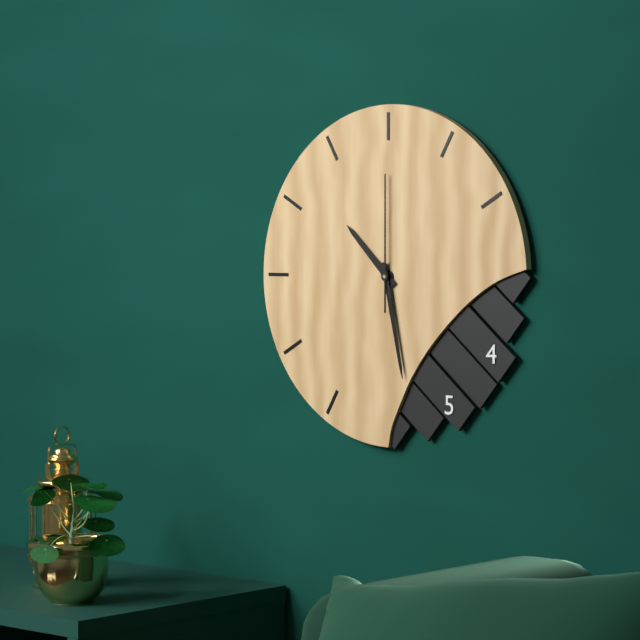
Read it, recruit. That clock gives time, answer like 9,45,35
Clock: 10,28,00
